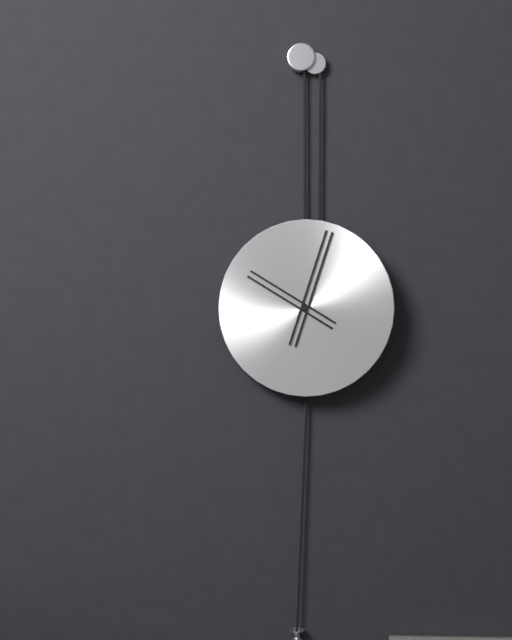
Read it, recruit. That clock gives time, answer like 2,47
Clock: 10,03
